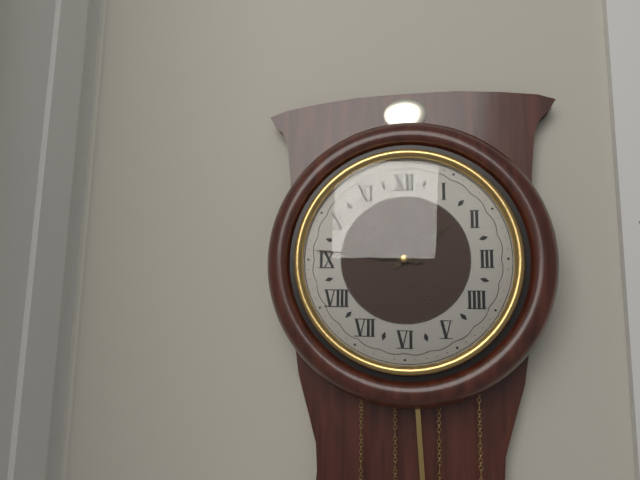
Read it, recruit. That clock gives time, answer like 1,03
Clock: 1,46
